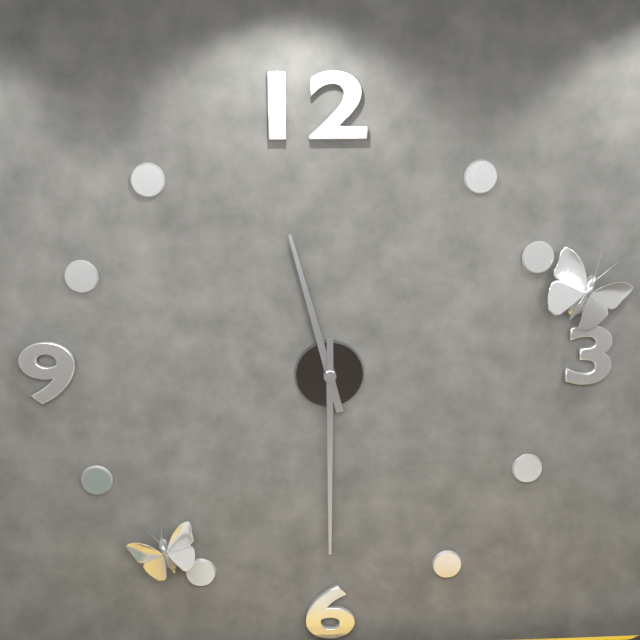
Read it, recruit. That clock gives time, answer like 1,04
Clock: 11,30
